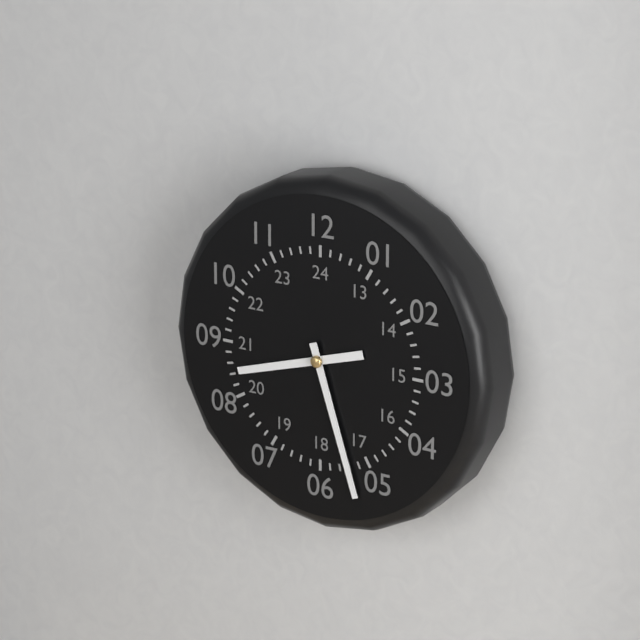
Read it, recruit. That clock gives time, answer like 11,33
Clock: 8,27
